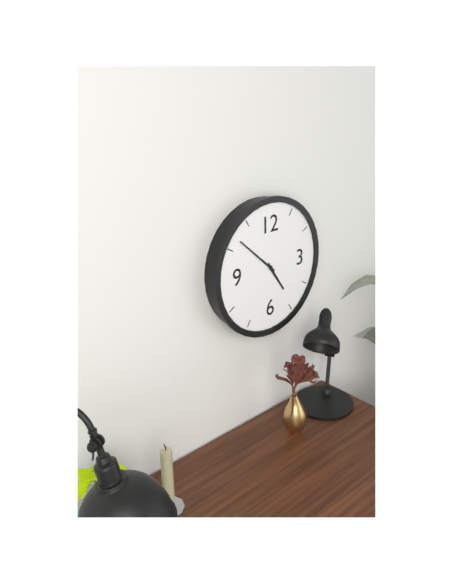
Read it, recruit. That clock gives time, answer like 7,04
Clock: 4,52
